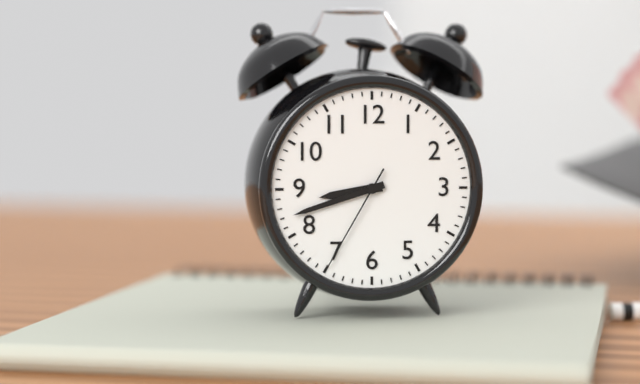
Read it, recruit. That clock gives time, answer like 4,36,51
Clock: 8,42,35
